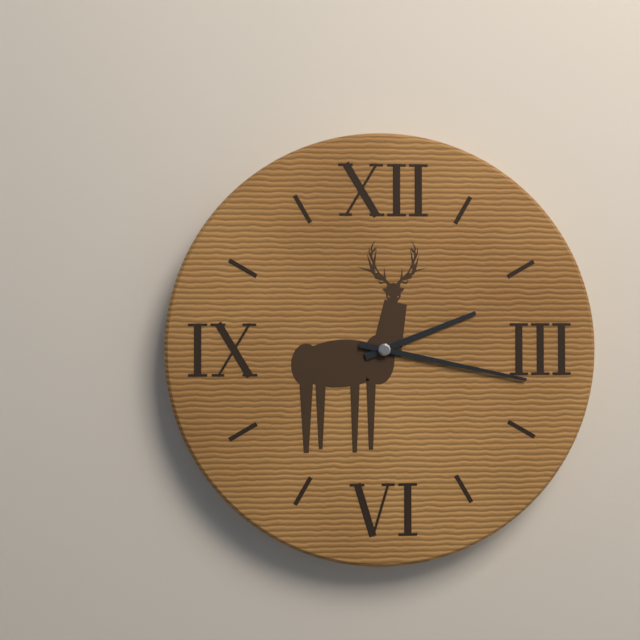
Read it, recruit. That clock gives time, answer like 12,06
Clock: 2,17
